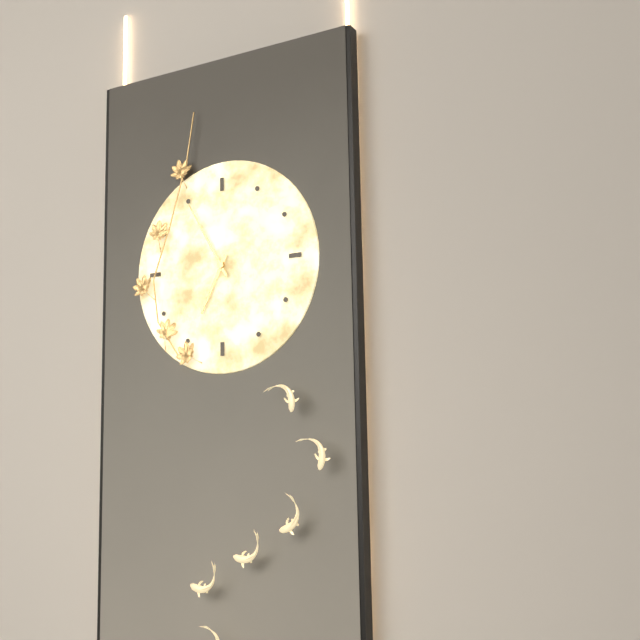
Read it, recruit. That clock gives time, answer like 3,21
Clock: 6,55
